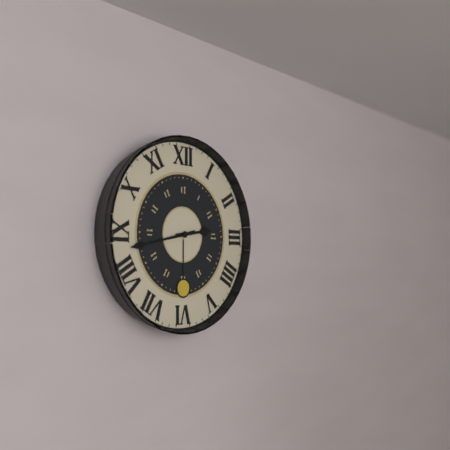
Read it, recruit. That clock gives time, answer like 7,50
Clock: 2,43
